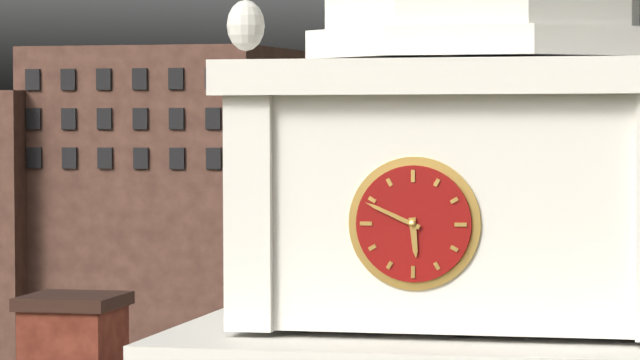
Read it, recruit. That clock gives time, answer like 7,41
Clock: 5,49
